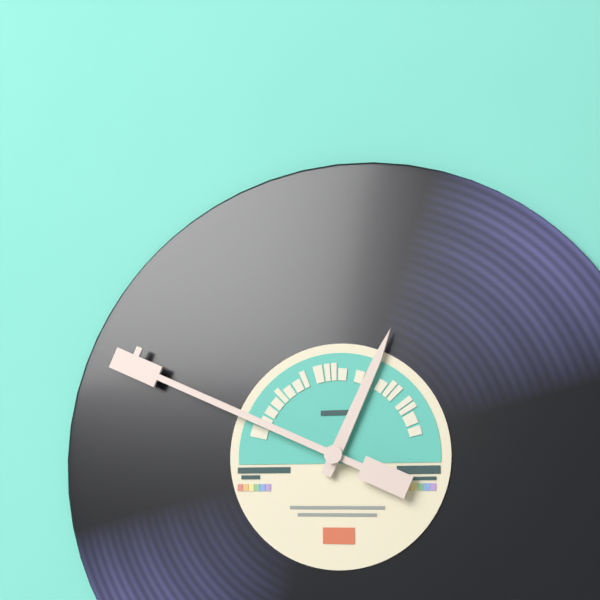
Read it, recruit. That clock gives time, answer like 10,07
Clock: 12,49
